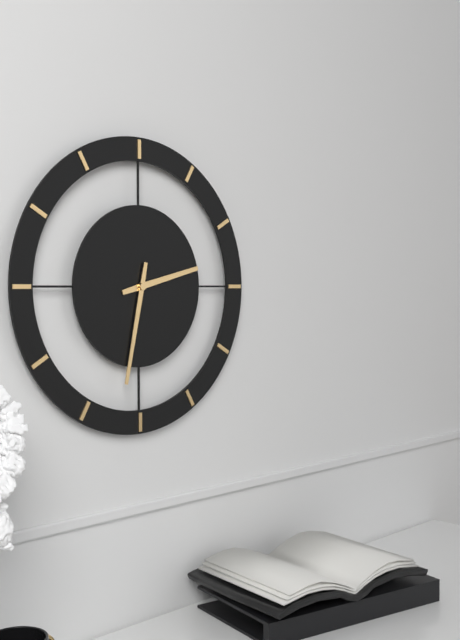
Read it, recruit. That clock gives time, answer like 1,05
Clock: 2,32
